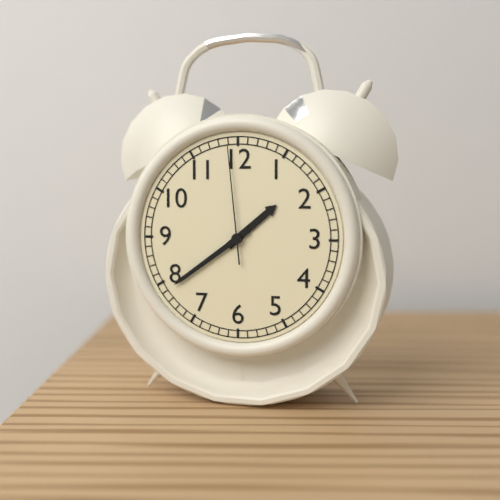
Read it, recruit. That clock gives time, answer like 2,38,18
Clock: 1,39,59
